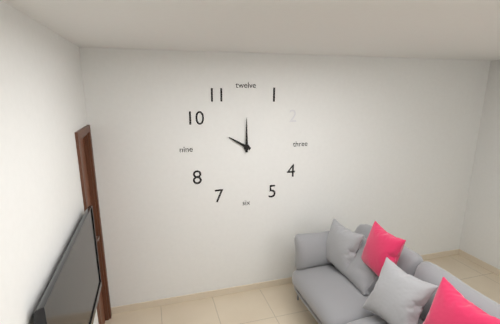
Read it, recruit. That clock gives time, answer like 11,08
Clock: 10,00
